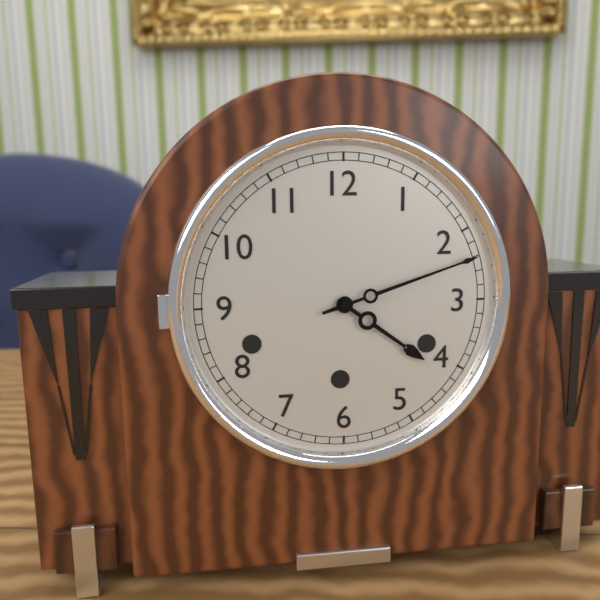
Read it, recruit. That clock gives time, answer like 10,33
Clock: 4,12
